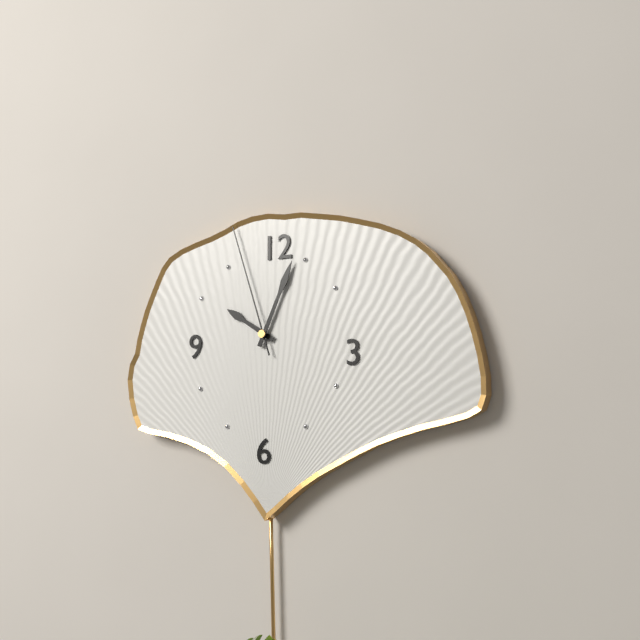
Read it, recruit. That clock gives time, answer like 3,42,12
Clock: 10,04,57
